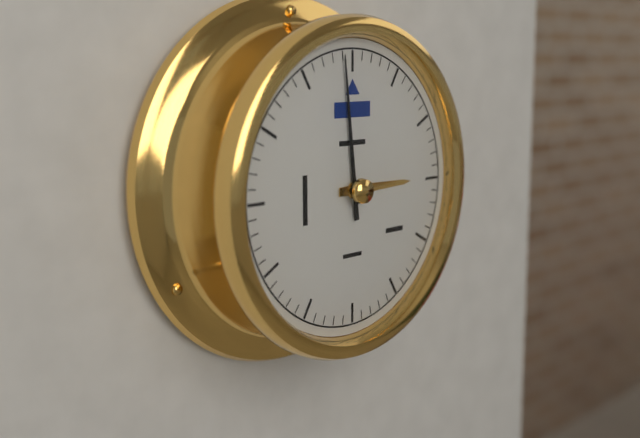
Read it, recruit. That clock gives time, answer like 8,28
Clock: 2,59
